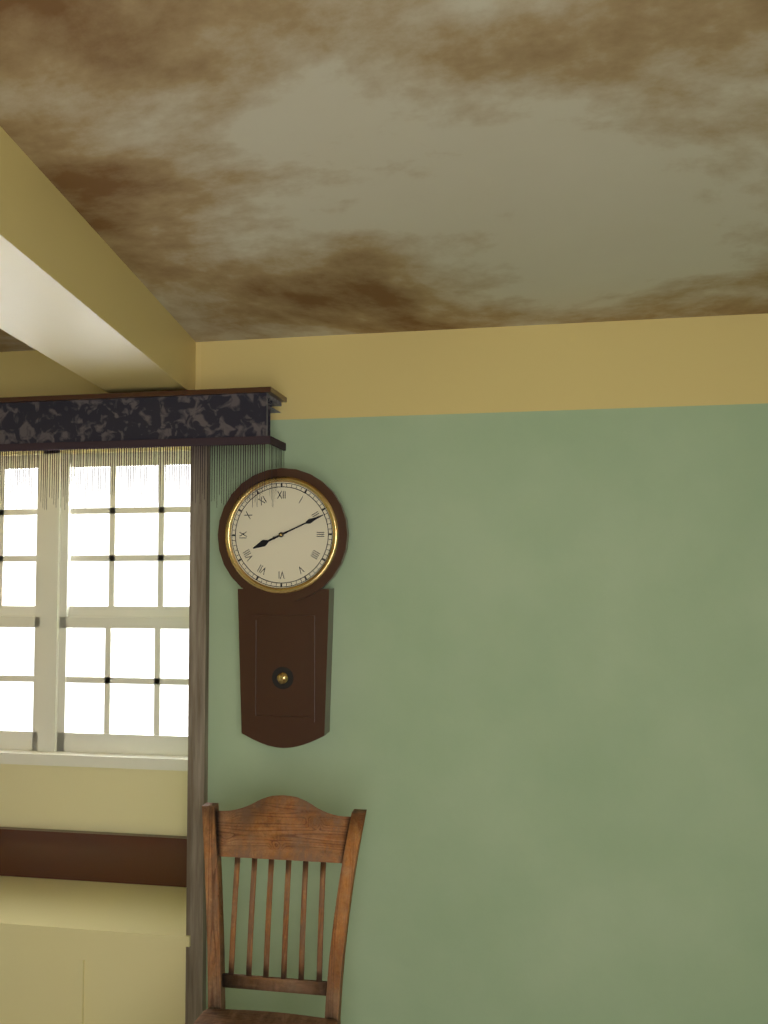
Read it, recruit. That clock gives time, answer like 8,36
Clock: 8,11
